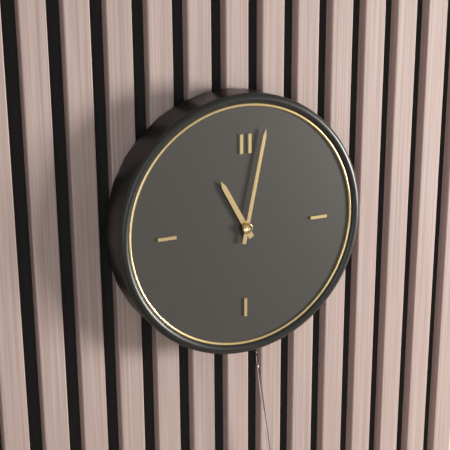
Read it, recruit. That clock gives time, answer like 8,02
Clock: 11,02
